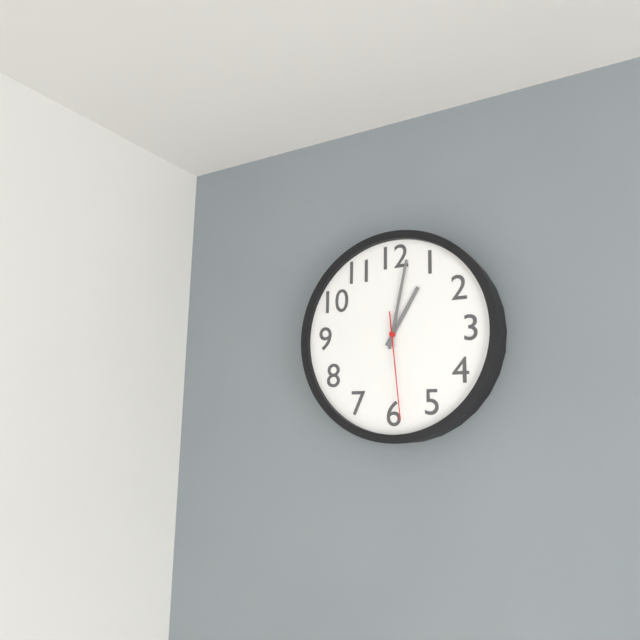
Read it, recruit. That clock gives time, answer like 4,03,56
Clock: 1,02,29
